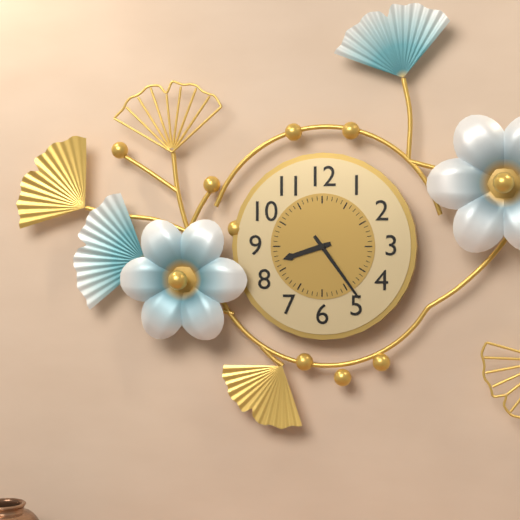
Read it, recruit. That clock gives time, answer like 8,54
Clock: 8,24
